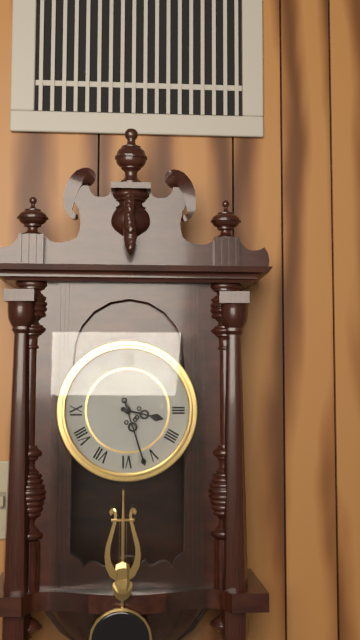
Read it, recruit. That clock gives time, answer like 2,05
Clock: 3,27
